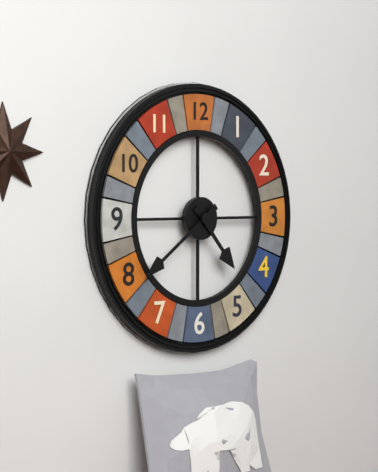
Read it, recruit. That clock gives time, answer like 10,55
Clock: 4,39
